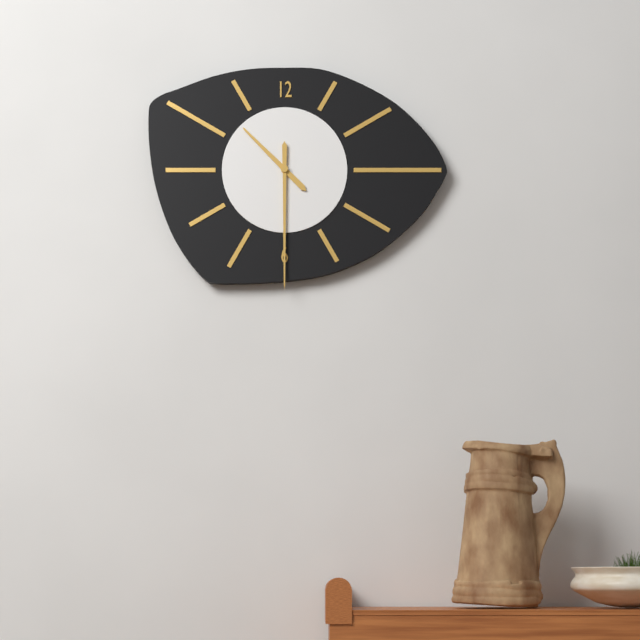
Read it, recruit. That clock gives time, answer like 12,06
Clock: 10,30
